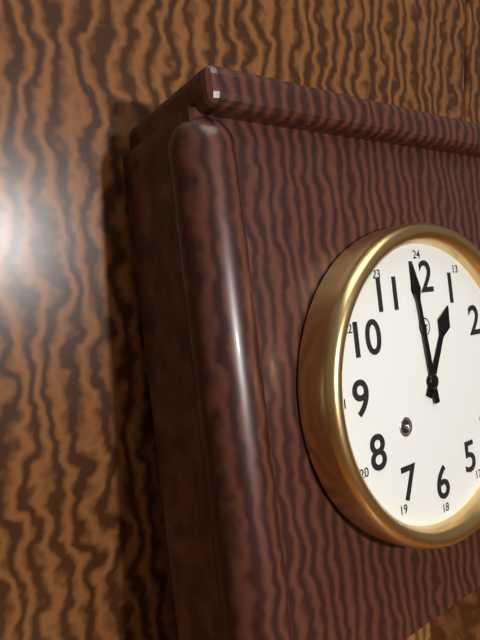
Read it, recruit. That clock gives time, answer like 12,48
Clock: 12,59
